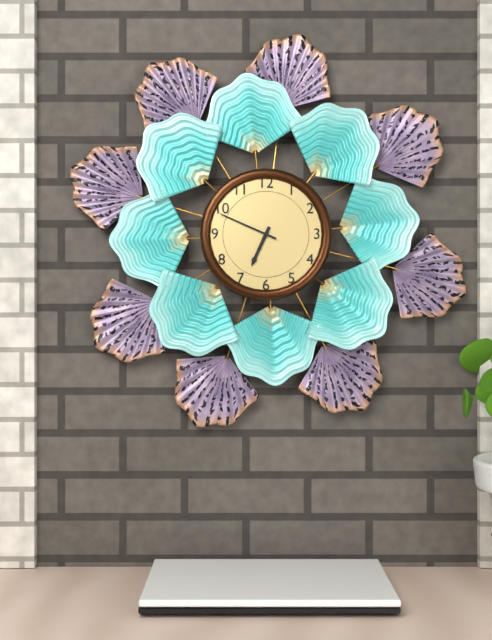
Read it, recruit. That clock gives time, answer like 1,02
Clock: 6,49
